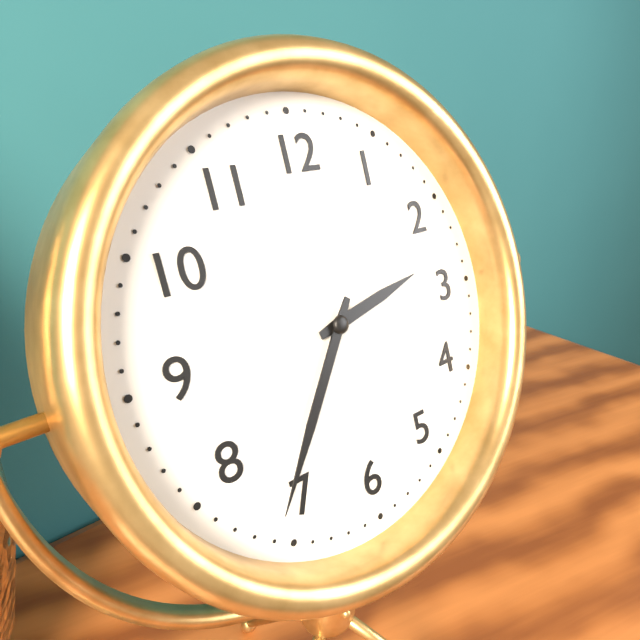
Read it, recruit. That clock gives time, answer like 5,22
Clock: 2,36
